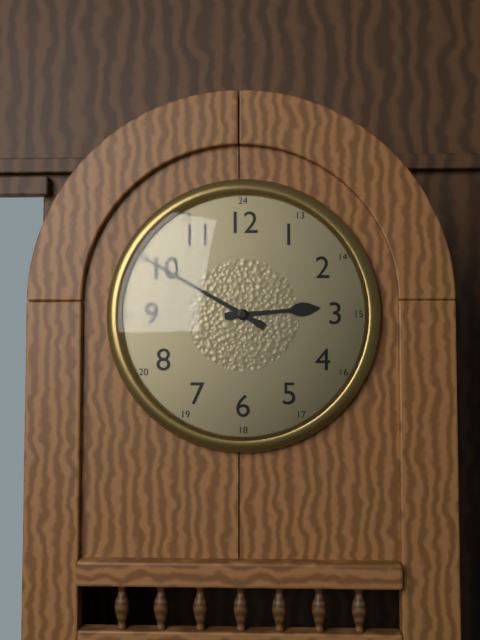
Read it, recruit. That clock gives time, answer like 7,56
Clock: 2,50
